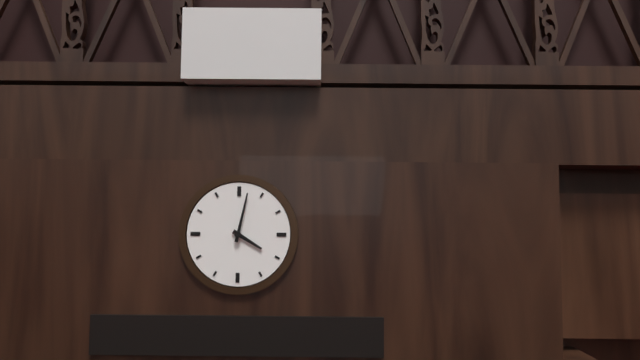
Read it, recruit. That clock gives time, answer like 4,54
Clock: 4,02
